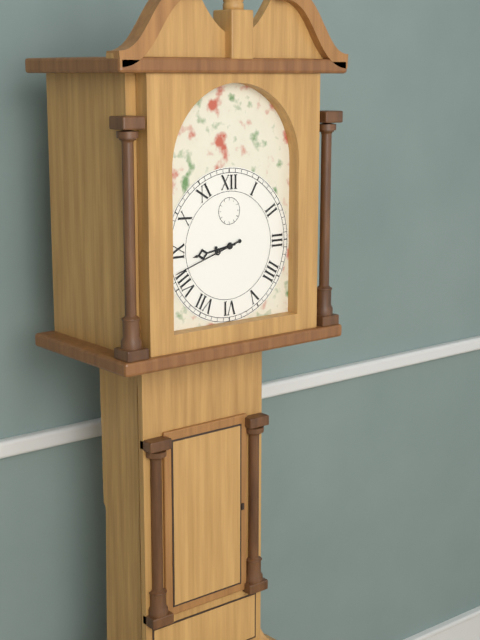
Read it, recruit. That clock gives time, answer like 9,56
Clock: 8,42
